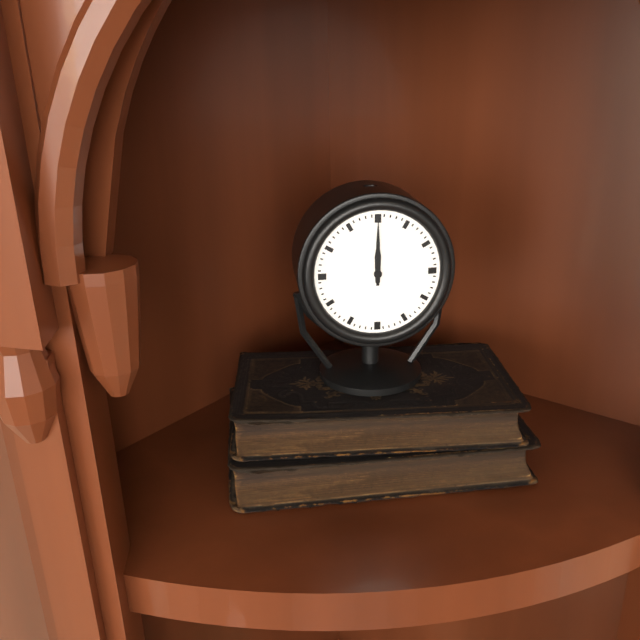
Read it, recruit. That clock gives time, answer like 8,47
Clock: 12,00
